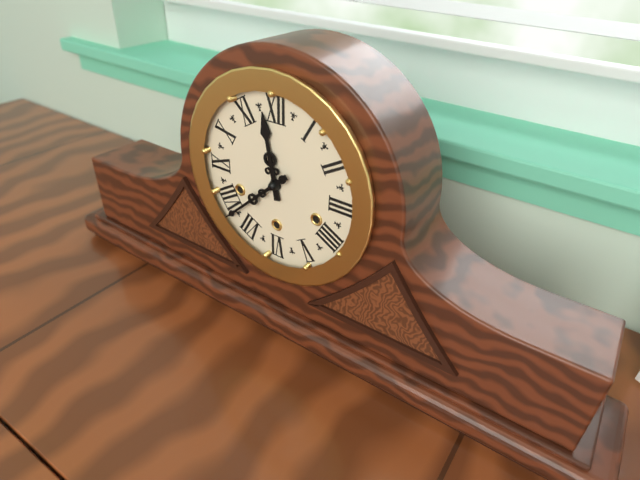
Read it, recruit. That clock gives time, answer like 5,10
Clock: 11,38
